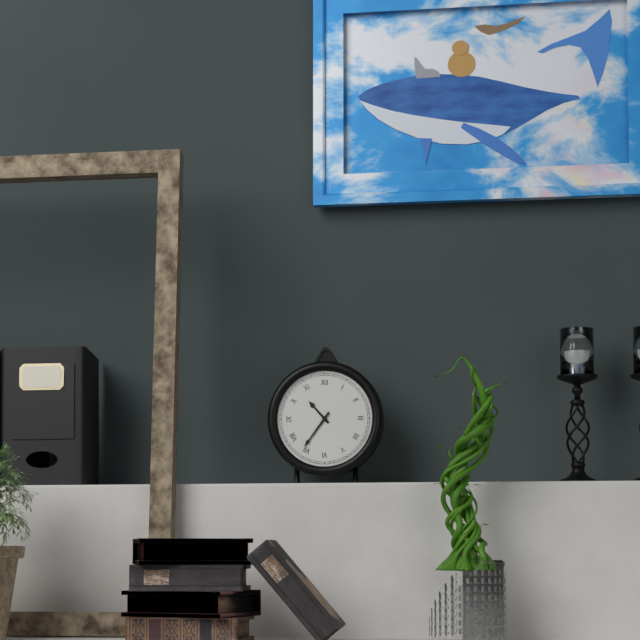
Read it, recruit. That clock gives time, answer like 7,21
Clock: 10,36
